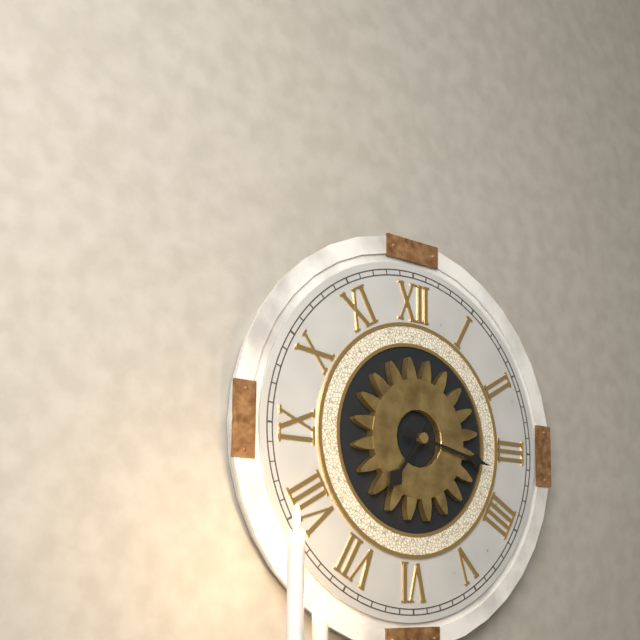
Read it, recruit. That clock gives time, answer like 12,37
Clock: 7,17
